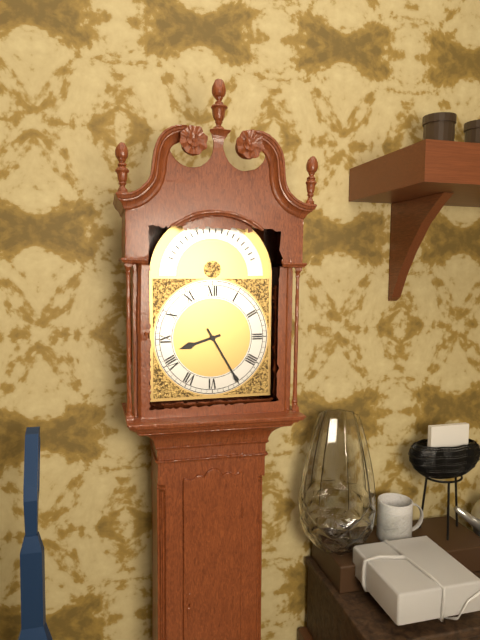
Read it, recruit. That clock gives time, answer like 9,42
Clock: 8,25
